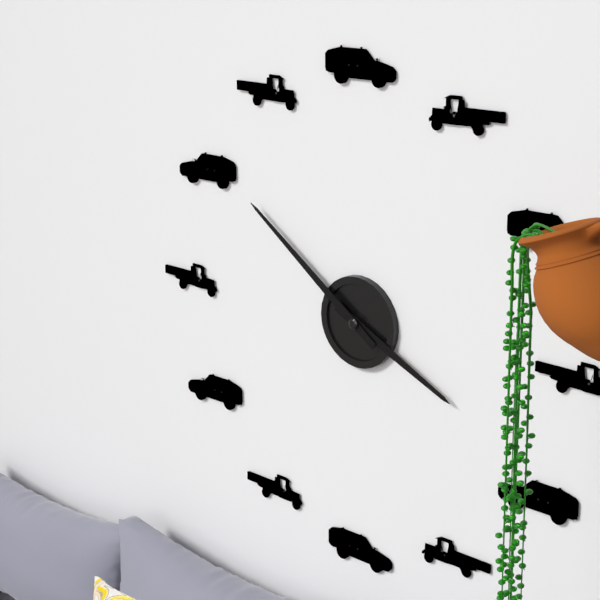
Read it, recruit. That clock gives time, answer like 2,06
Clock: 3,51
